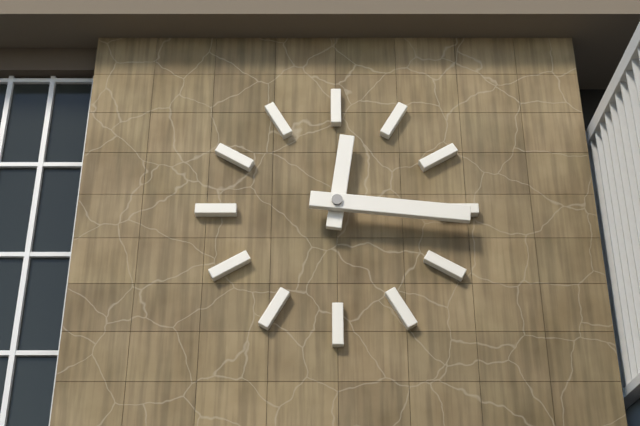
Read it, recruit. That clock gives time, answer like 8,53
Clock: 12,16
